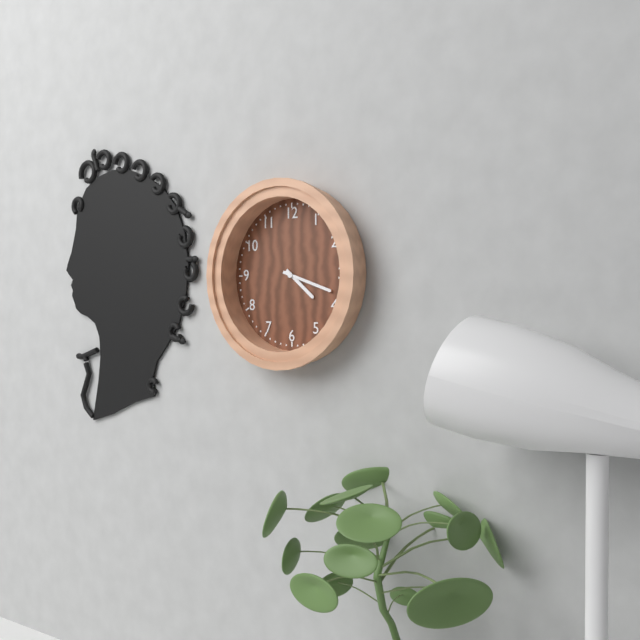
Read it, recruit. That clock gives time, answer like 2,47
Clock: 4,18
